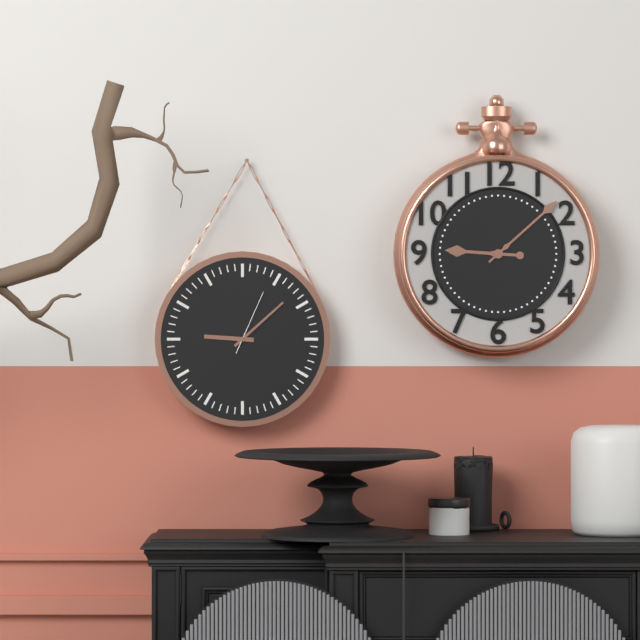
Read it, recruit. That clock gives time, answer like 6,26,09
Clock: 9,08,04
